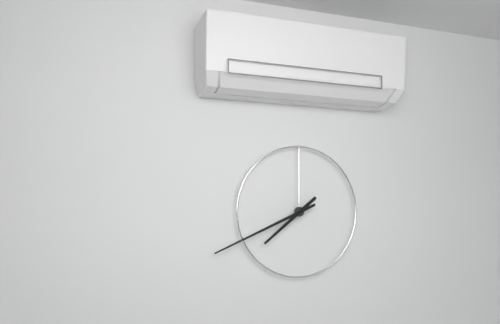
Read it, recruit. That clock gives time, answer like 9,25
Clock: 7,41
